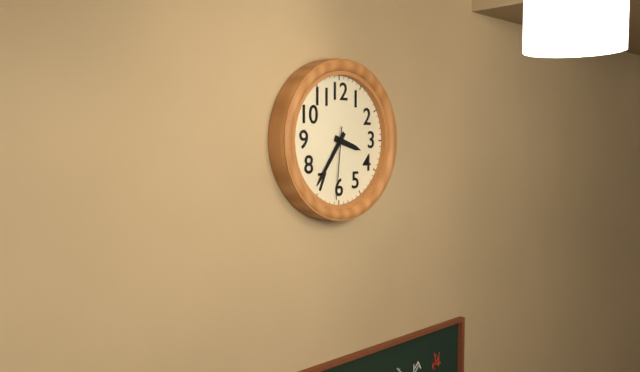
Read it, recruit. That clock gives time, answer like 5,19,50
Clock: 3,36,31
